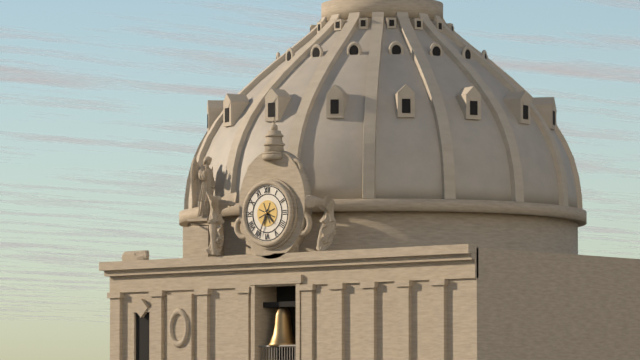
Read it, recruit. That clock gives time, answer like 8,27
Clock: 4,34
